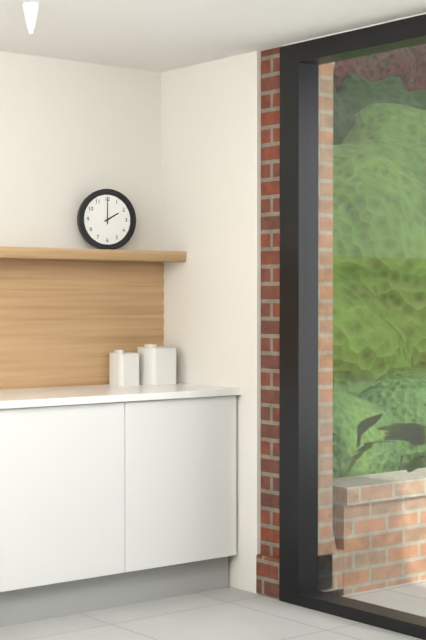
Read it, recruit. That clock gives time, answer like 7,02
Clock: 2,00
